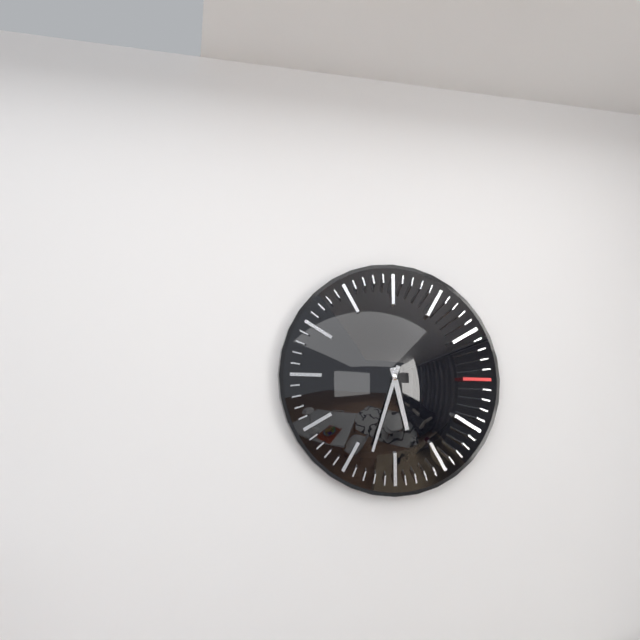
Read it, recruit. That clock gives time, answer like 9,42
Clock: 5,33
